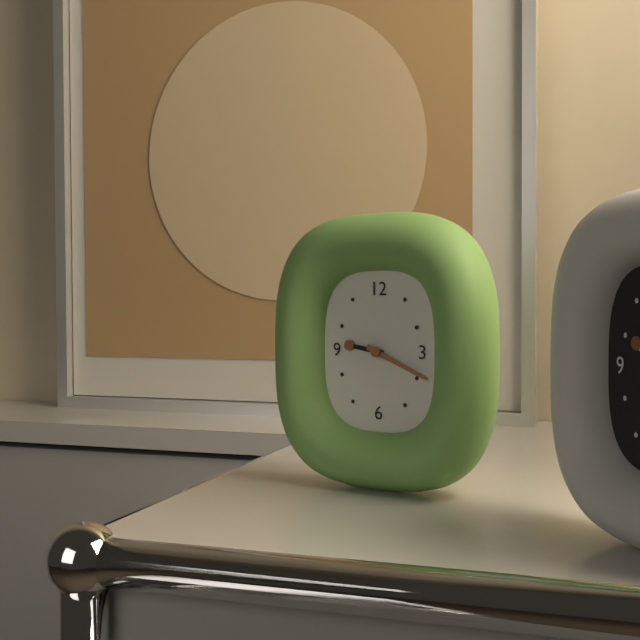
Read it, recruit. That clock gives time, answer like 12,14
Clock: 9,19
